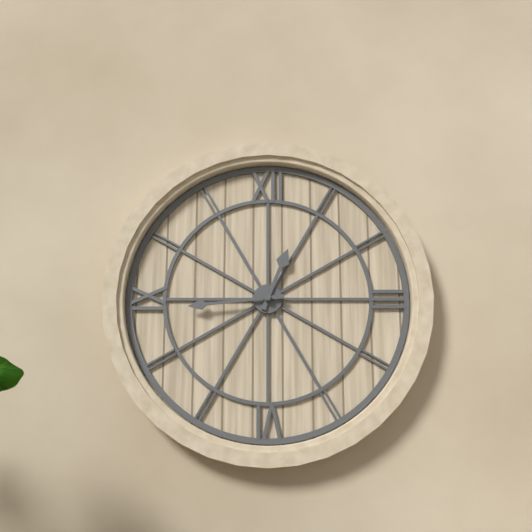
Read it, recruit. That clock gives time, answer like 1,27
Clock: 12,44
